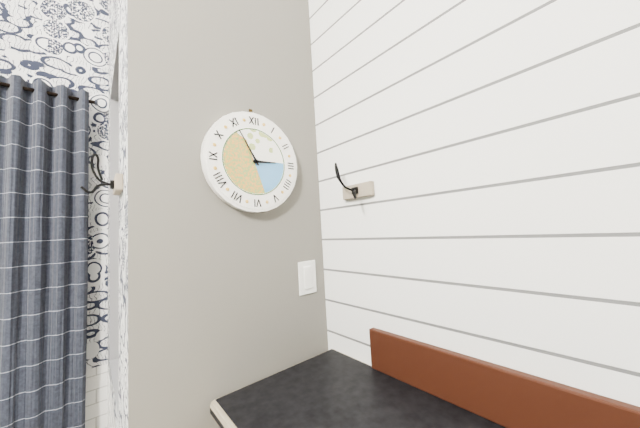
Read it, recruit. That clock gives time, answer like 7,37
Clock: 2,55
